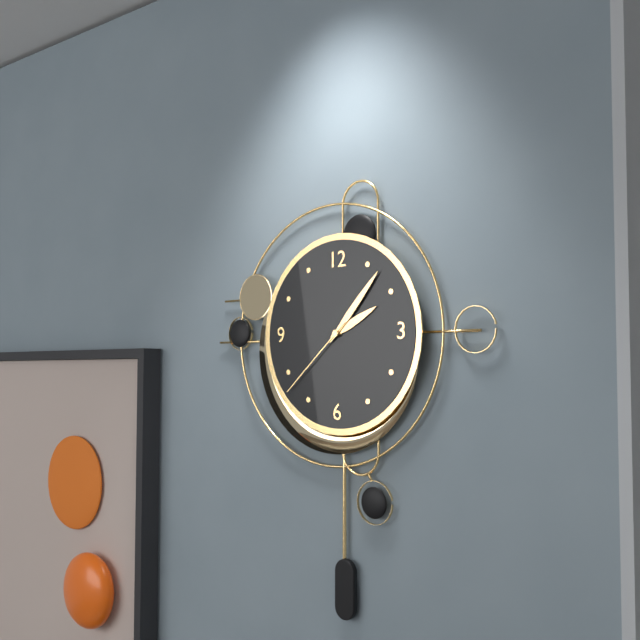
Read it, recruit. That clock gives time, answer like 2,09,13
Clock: 2,07,38
